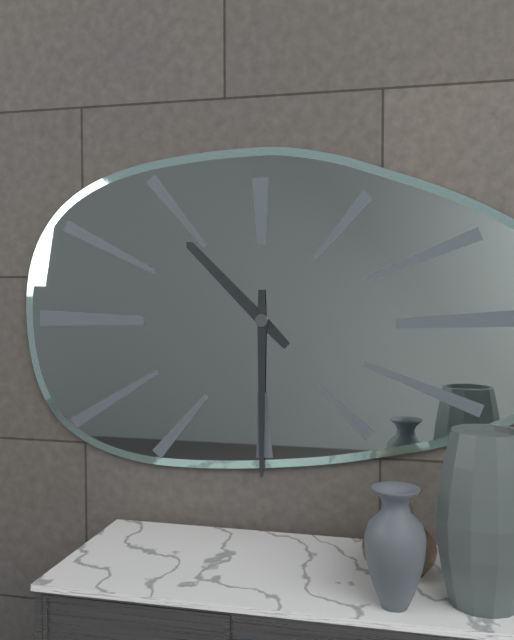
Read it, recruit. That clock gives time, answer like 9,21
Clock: 10,30
